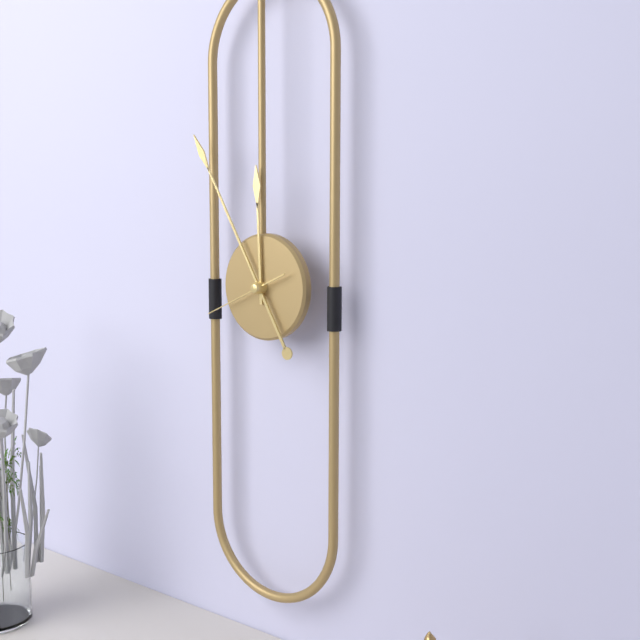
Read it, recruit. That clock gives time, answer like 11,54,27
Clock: 11,55,41
